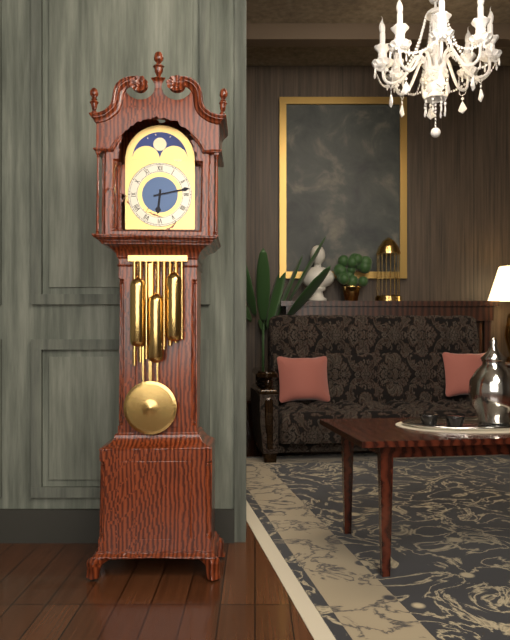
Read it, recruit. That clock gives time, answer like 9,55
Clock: 6,13
